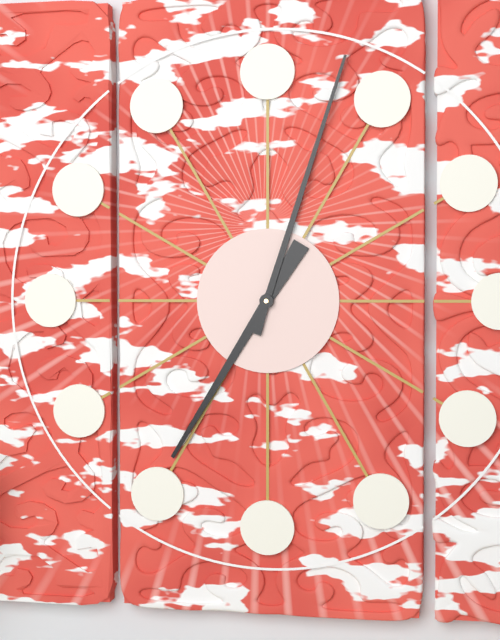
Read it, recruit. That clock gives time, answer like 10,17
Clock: 7,03
